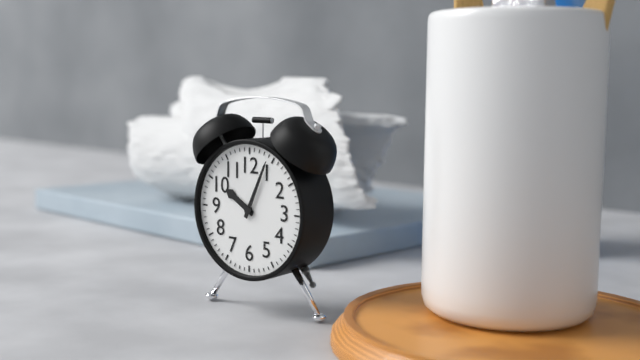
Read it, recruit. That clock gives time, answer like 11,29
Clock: 10,04
